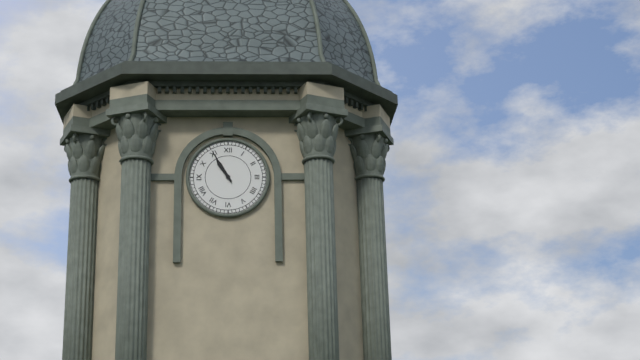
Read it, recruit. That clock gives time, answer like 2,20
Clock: 10,55
